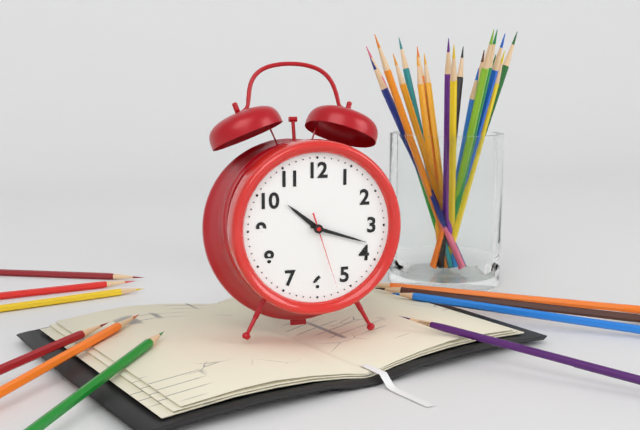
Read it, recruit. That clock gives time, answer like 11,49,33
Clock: 10,18,27
